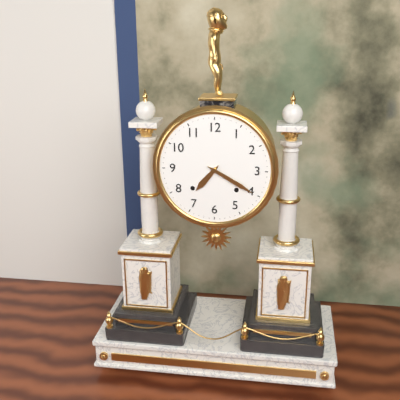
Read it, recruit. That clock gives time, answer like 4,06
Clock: 7,20
